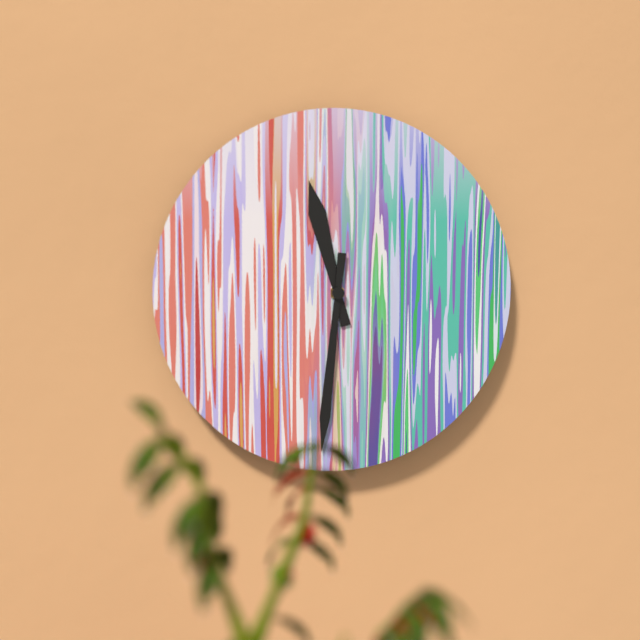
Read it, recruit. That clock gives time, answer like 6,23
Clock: 11,31
